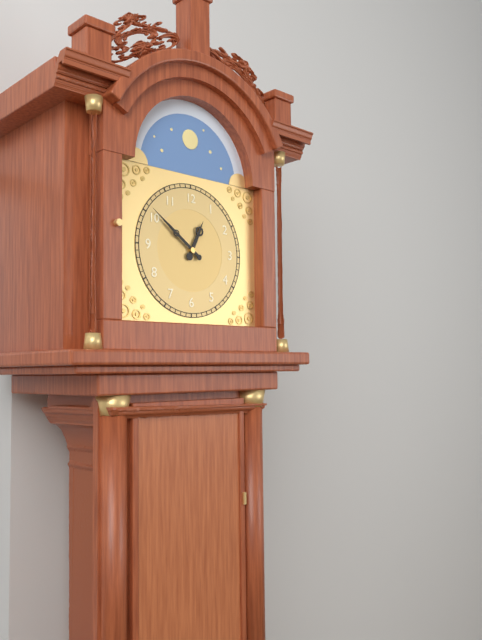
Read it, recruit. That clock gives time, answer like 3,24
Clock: 12,51
